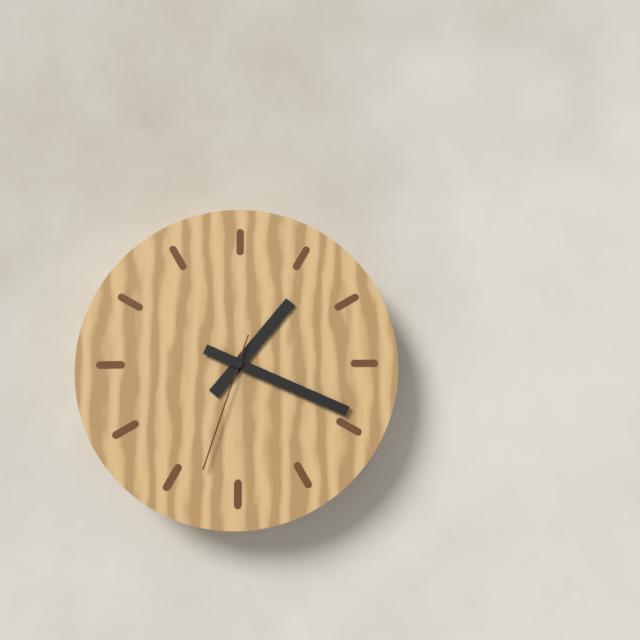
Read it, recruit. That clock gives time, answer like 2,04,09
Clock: 1,19,33
